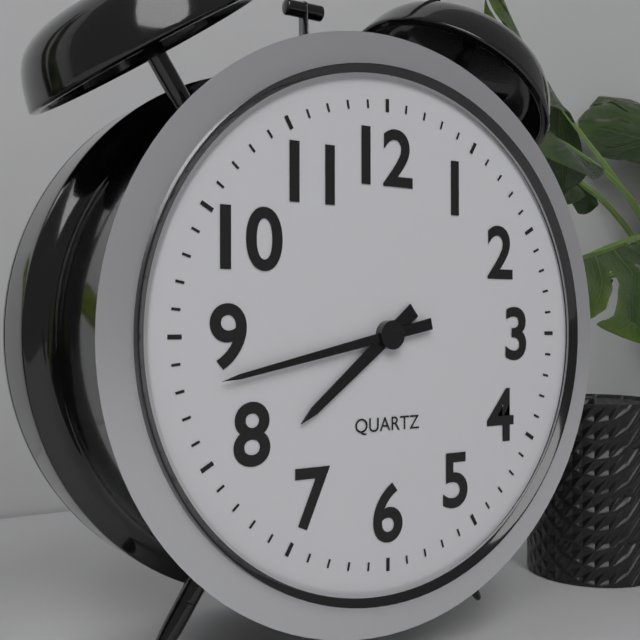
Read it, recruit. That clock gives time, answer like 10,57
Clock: 7,43
